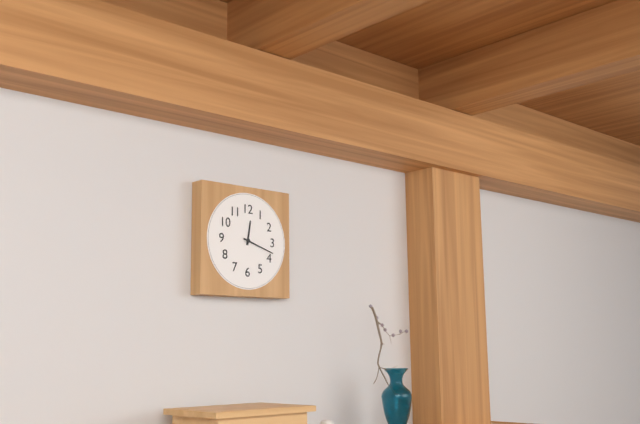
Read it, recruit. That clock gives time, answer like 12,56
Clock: 12,18
